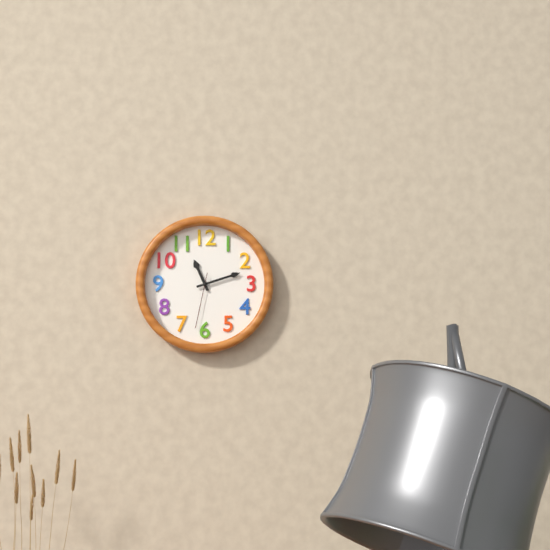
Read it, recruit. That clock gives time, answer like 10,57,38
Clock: 11,12,32
